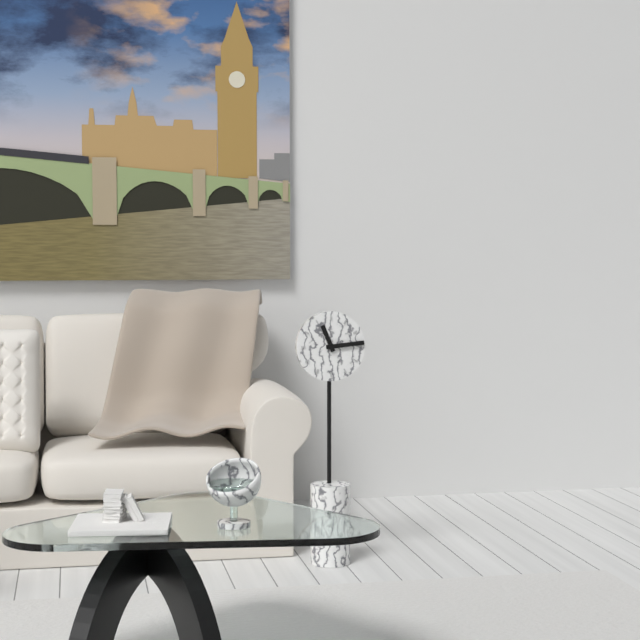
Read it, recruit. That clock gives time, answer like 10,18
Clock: 11,14
